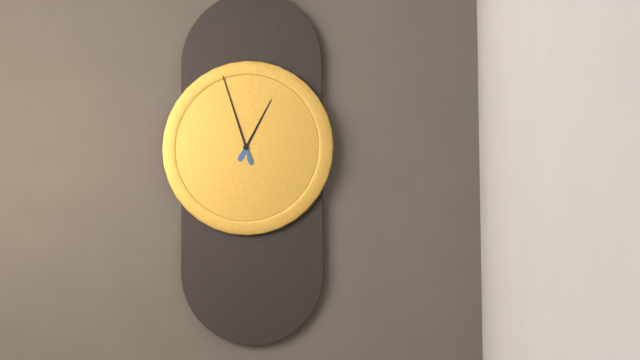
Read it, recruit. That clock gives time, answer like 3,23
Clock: 12,57
